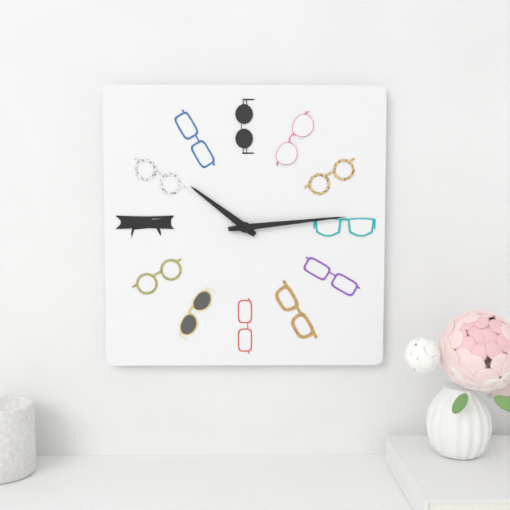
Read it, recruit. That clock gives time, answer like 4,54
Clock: 10,14
